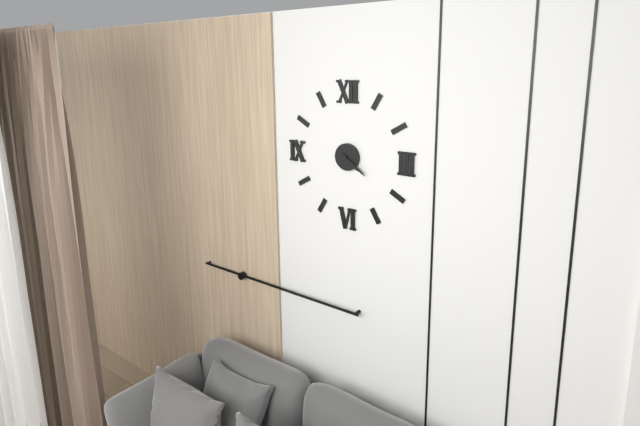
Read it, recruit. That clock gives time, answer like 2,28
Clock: 4,21
